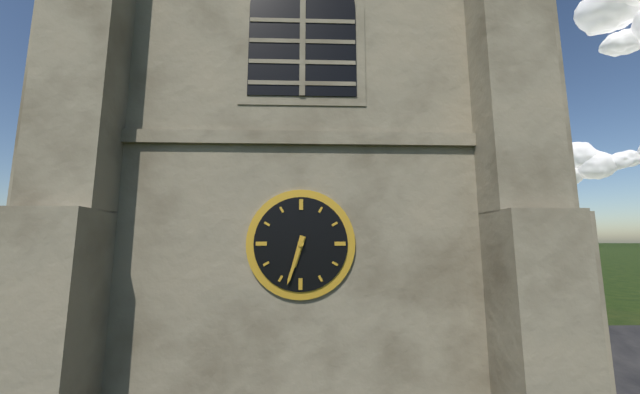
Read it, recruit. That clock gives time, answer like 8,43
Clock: 6,33
